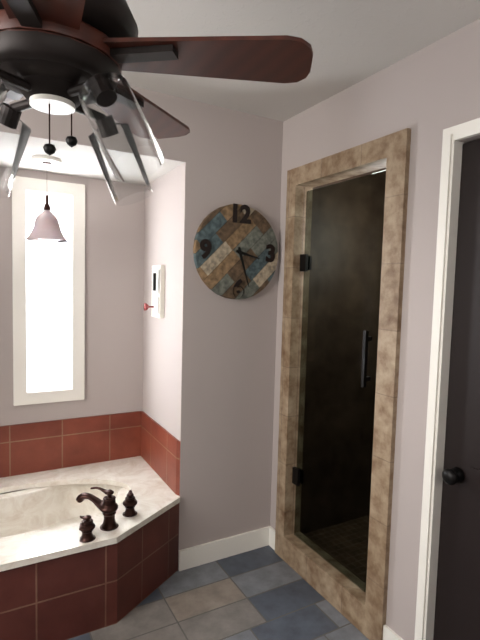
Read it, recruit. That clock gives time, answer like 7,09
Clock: 3,27
